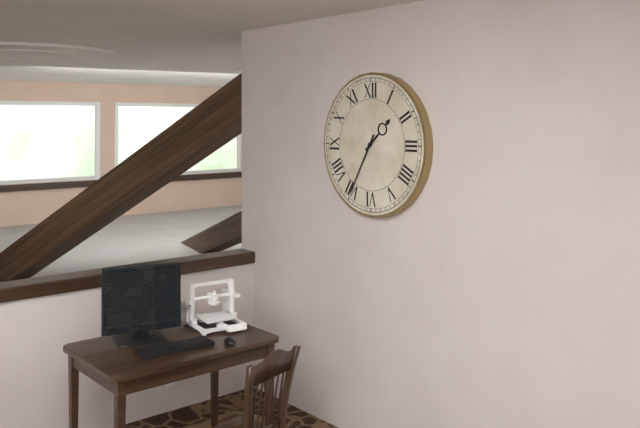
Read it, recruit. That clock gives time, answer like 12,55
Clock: 1,35
